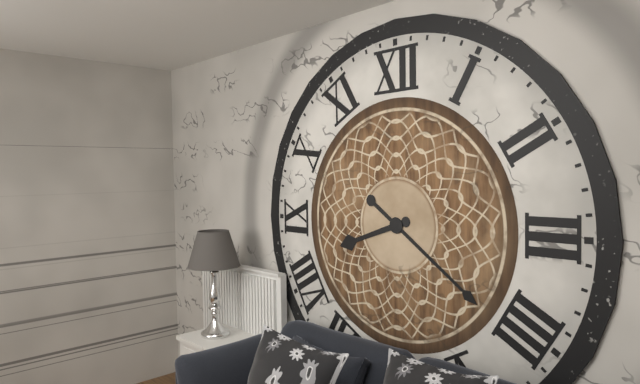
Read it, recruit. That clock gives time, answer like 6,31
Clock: 8,21
